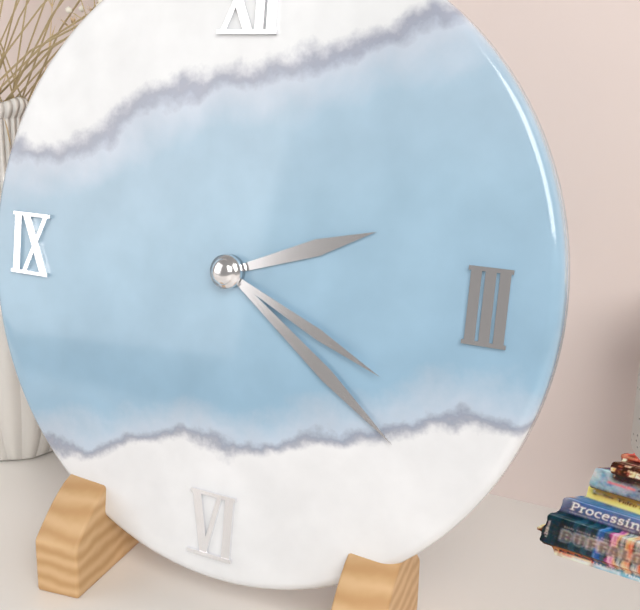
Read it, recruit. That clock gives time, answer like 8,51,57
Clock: 2,21,19
